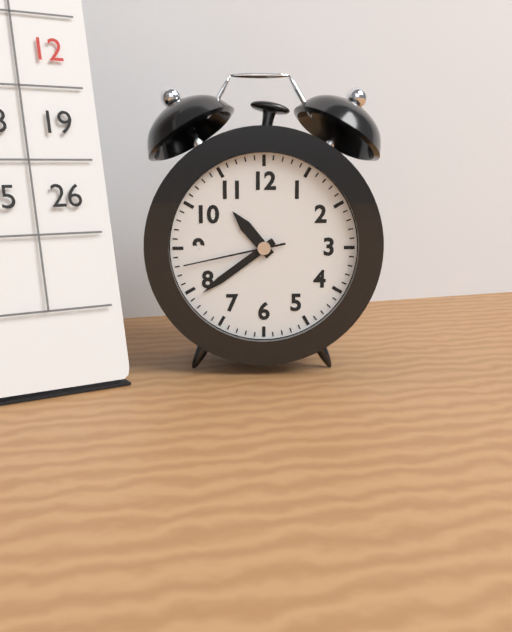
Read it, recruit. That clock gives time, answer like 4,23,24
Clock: 10,39,43
